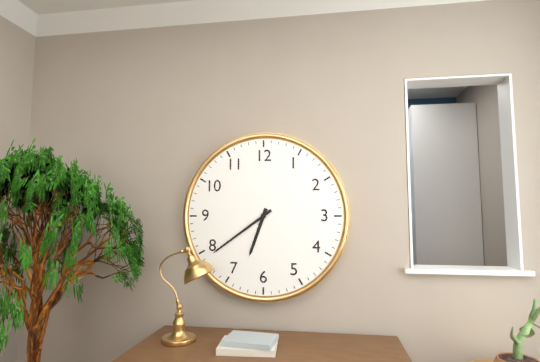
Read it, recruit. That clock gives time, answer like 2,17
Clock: 6,39
